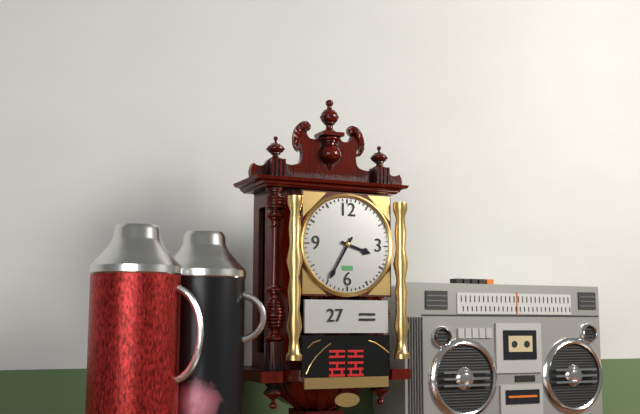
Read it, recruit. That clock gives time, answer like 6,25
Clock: 3,35
